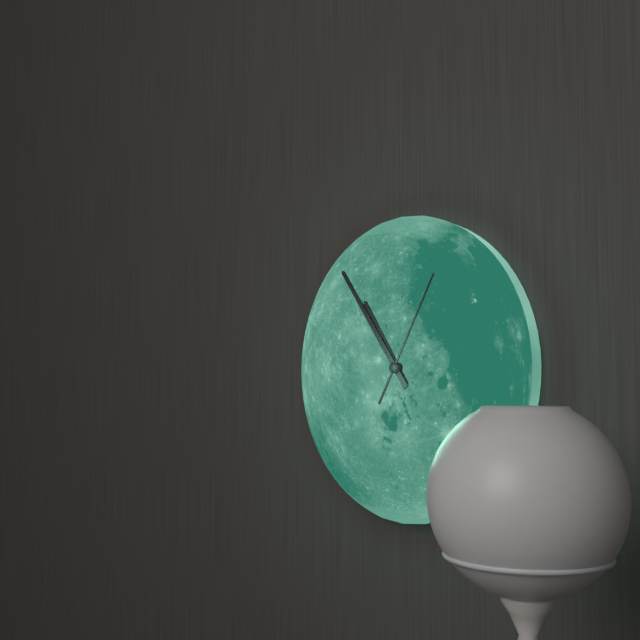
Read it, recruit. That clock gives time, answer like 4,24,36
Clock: 10,54,05
